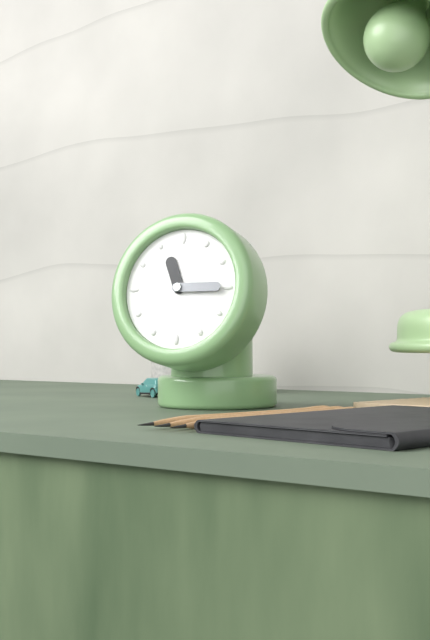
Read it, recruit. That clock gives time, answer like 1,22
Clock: 11,15
